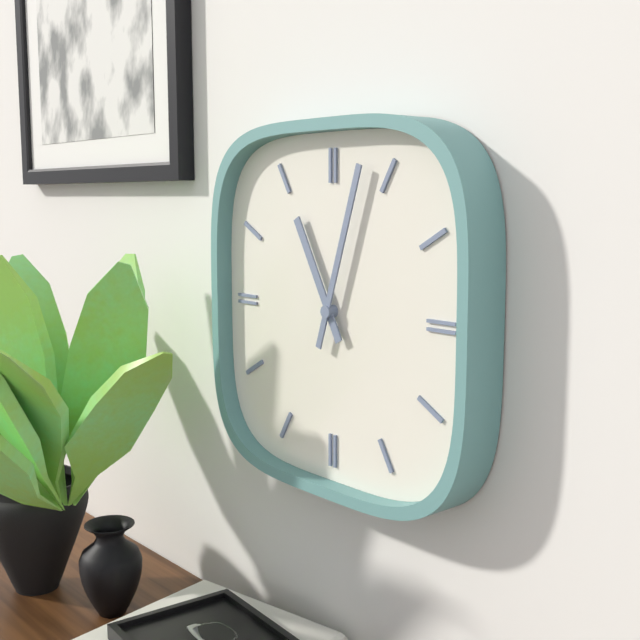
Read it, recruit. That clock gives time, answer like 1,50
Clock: 11,03
